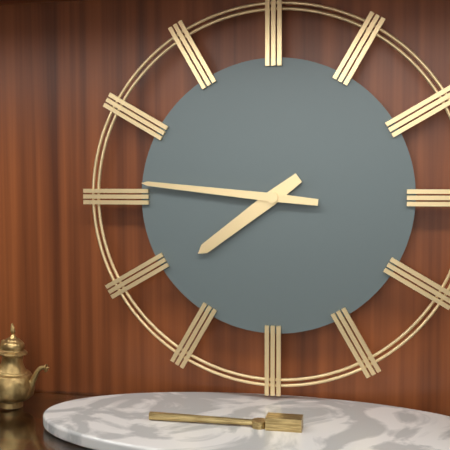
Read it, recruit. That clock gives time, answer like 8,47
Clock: 7,46
